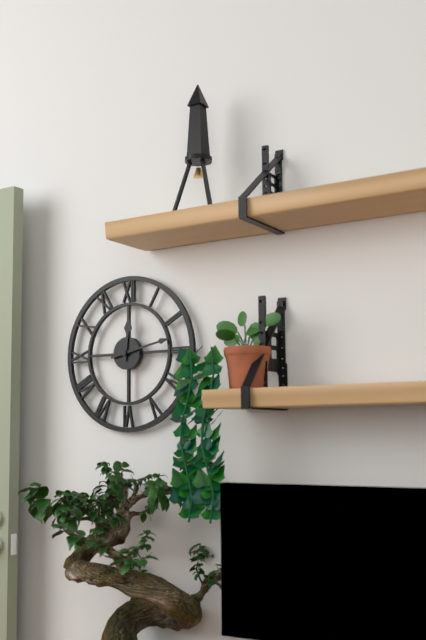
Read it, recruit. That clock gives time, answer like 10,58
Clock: 12,13
